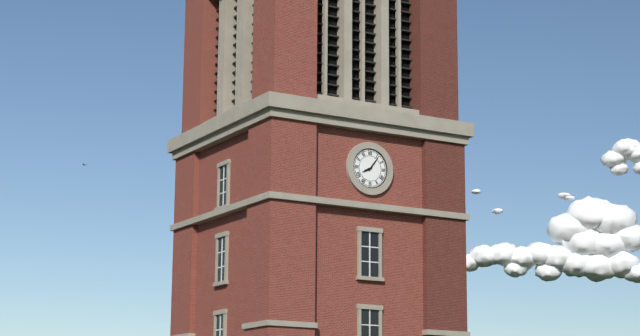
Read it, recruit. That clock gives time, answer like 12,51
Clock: 8,06
